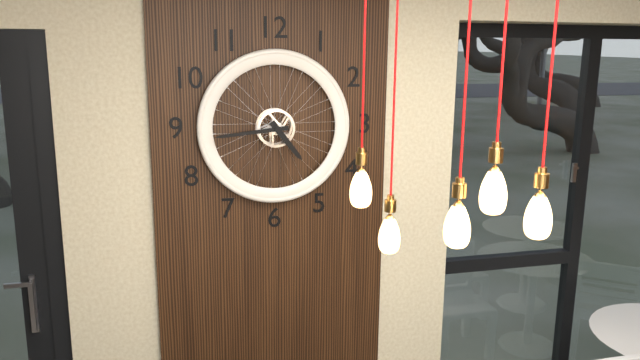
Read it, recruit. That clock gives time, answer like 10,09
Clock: 4,44
